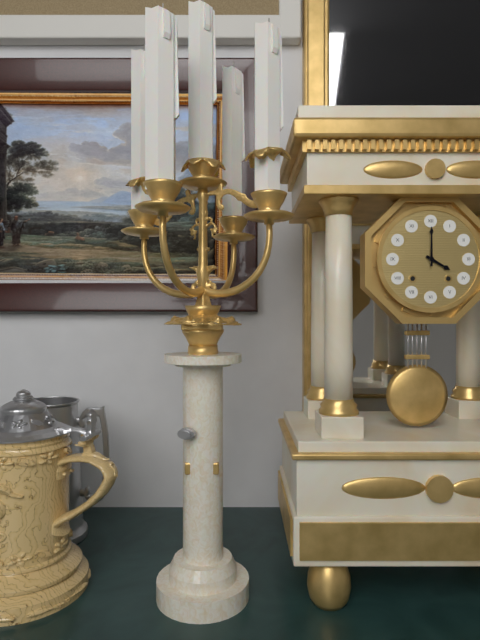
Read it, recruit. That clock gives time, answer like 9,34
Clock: 4,00
